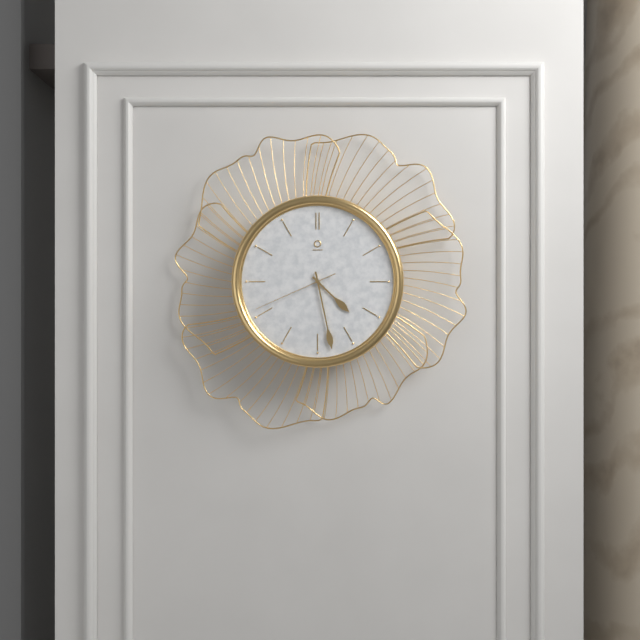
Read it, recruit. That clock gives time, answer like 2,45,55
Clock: 4,28,41
